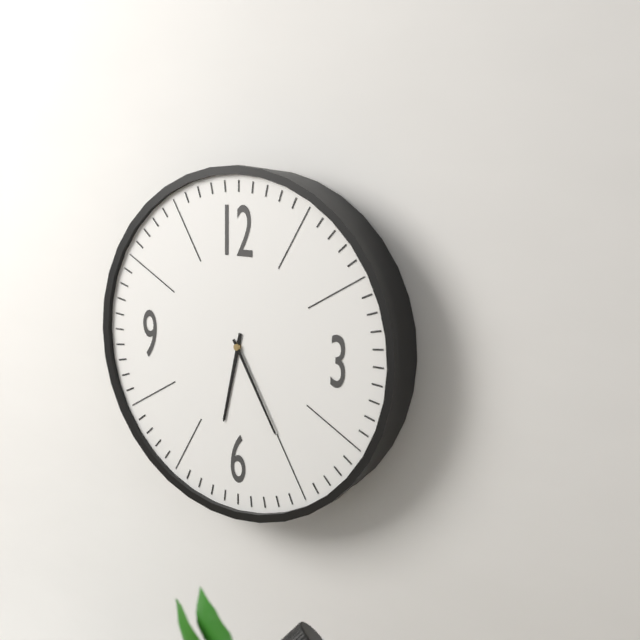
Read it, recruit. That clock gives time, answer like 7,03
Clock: 6,25
